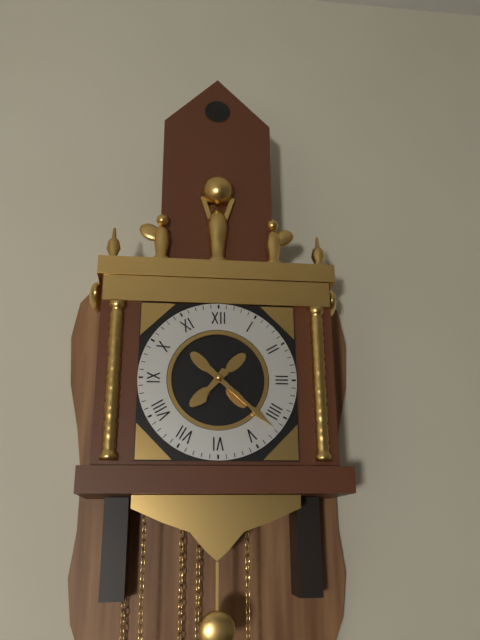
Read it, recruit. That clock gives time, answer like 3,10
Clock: 7,22
